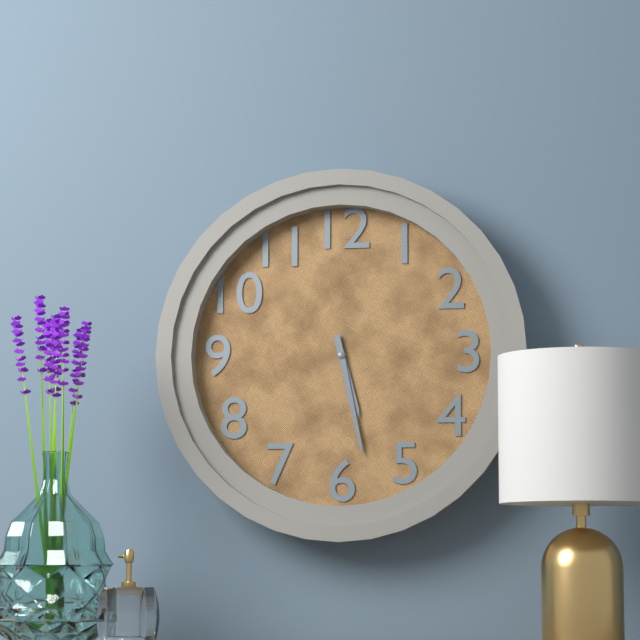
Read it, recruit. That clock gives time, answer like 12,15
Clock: 5,28
